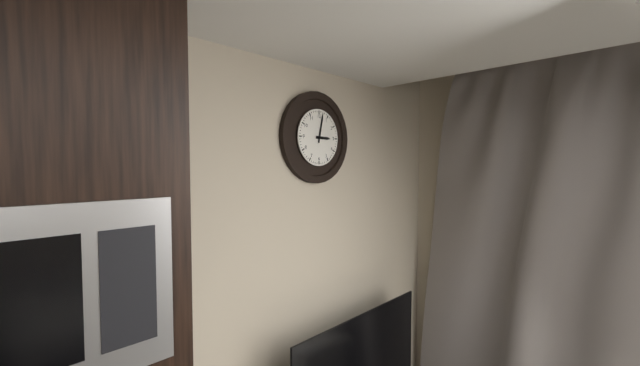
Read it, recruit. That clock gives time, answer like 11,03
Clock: 3,02
